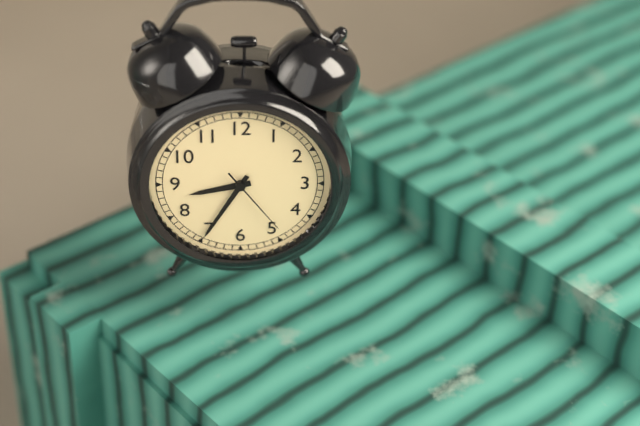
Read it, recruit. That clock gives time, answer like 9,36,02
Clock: 8,35,24
